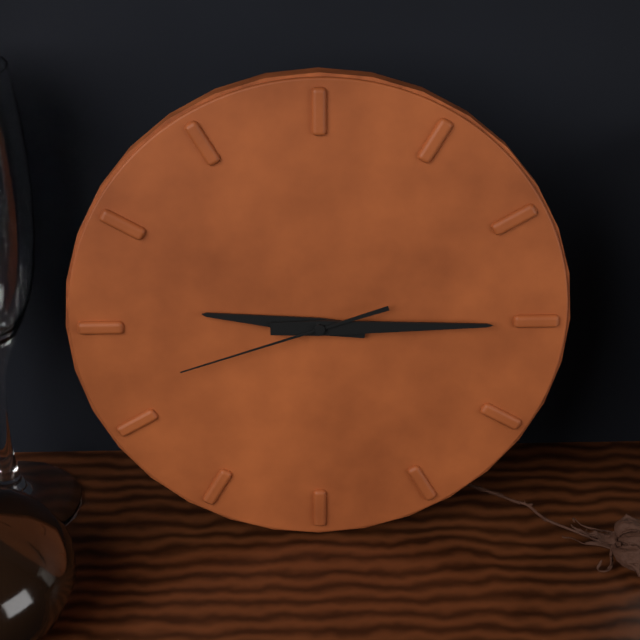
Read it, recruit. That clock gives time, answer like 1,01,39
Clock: 9,15,42
